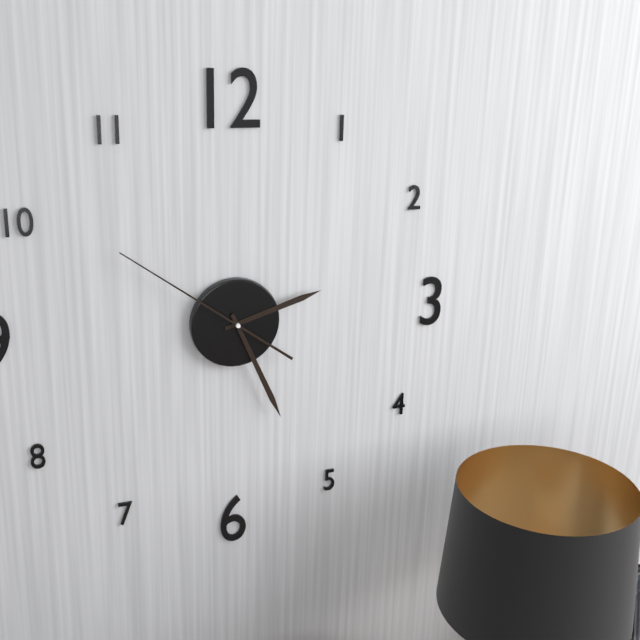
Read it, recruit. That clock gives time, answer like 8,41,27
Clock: 2,26,51
